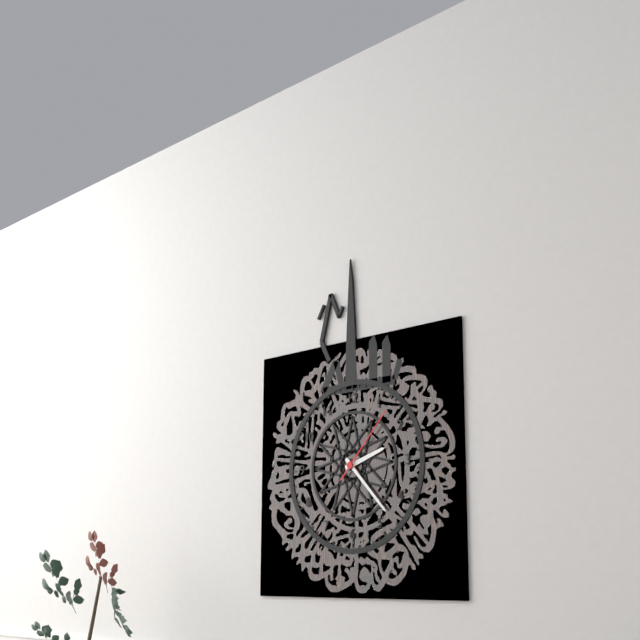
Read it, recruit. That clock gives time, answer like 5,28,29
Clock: 2,23,07
